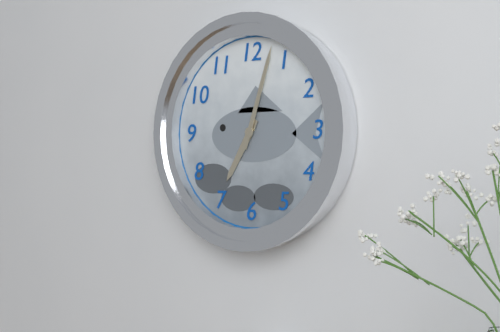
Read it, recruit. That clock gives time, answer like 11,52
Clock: 7,03
